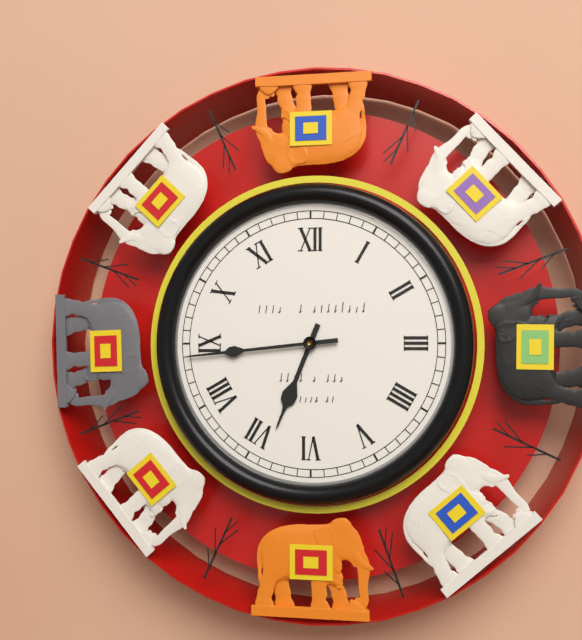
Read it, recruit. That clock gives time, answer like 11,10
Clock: 6,44
